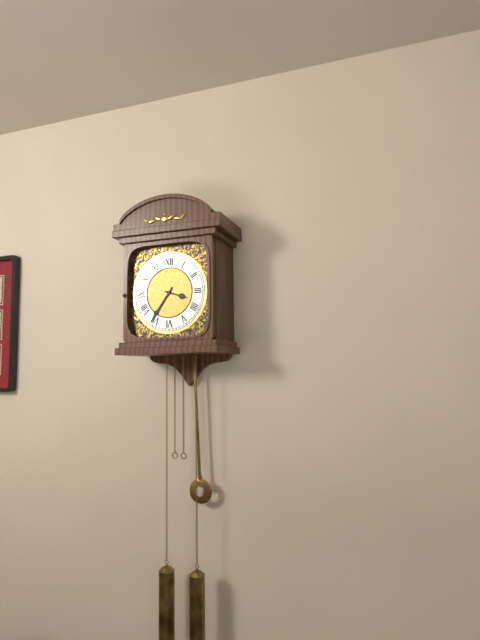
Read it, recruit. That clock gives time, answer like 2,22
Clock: 3,36
